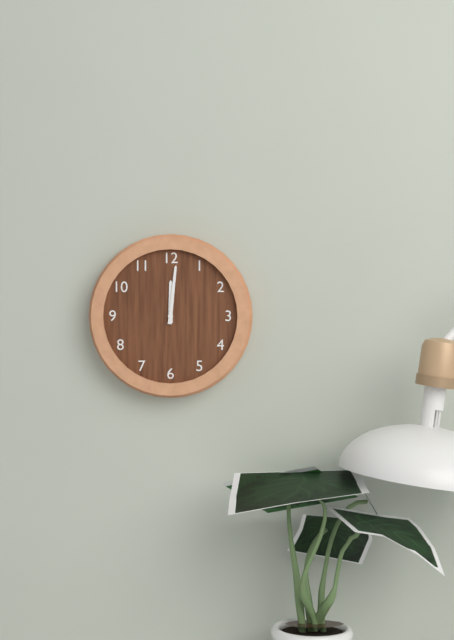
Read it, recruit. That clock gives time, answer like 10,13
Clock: 12,01
